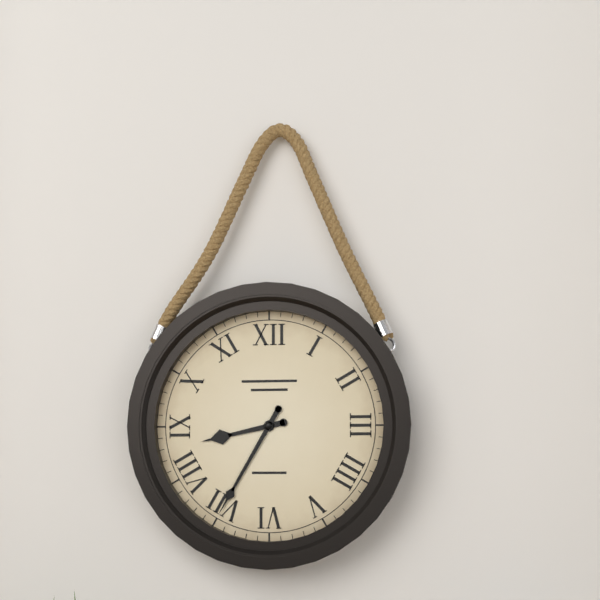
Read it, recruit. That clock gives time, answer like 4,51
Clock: 8,35
